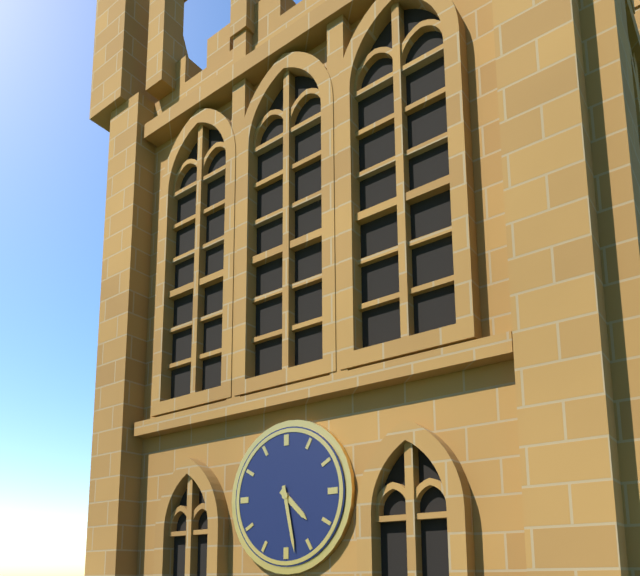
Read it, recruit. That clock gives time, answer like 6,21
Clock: 4,28
